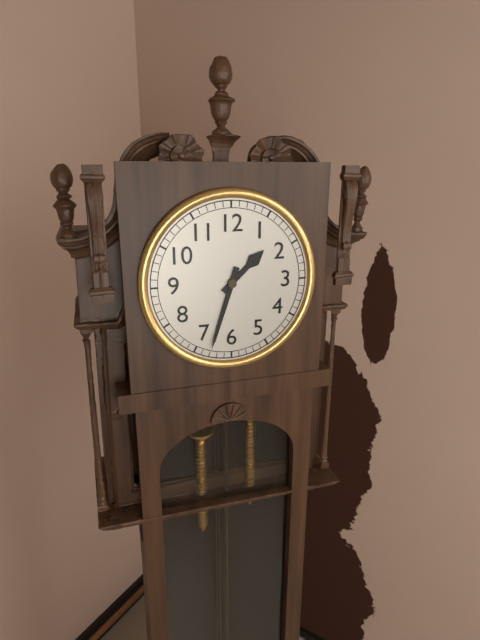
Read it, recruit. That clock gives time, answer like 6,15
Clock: 1,33
